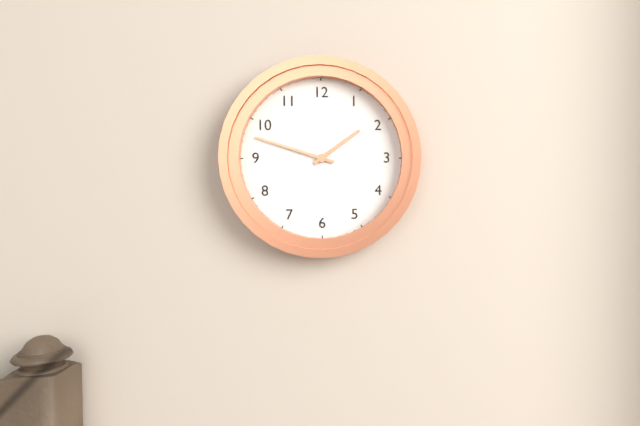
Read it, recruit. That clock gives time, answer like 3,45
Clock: 1,48
